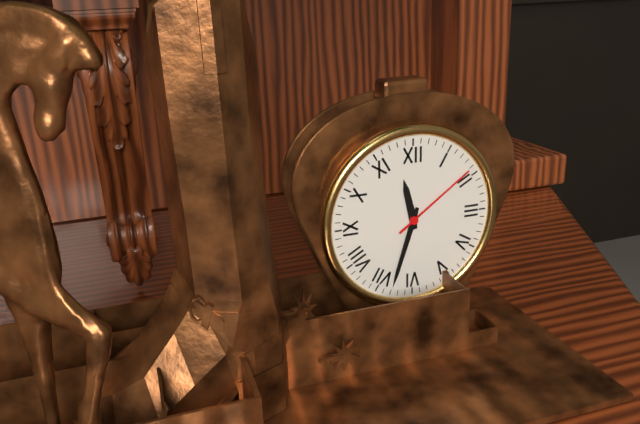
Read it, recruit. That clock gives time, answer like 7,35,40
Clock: 11,33,09
